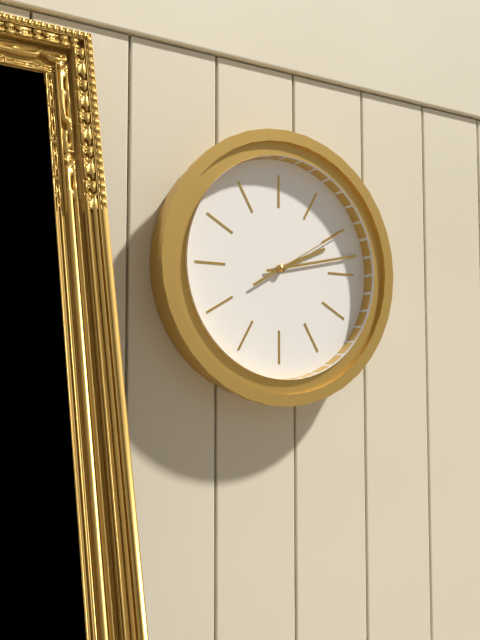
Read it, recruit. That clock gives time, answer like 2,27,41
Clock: 2,13,10
